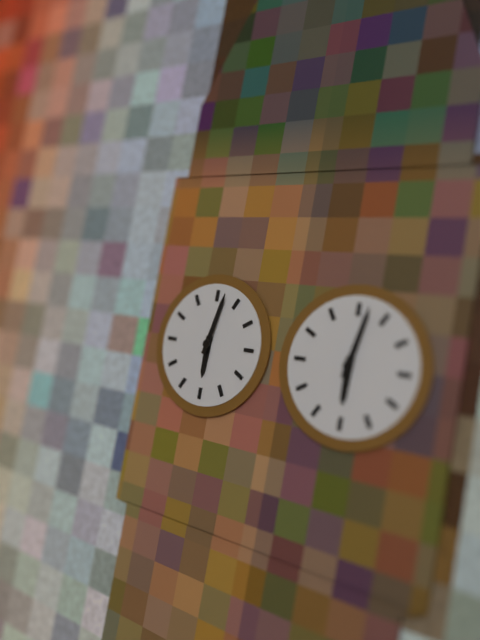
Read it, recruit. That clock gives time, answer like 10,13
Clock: 6,02
